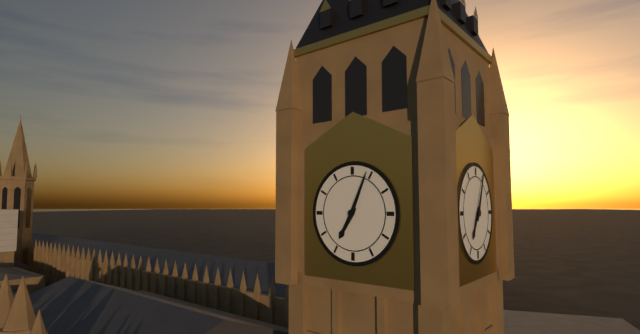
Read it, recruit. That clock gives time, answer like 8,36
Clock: 7,04
